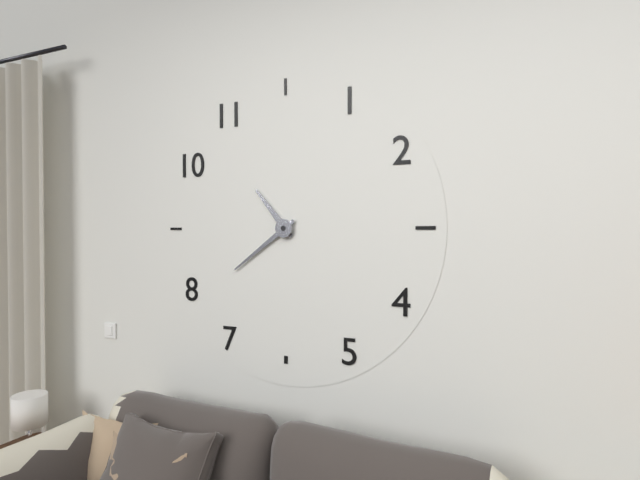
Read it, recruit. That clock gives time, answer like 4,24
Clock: 10,39
